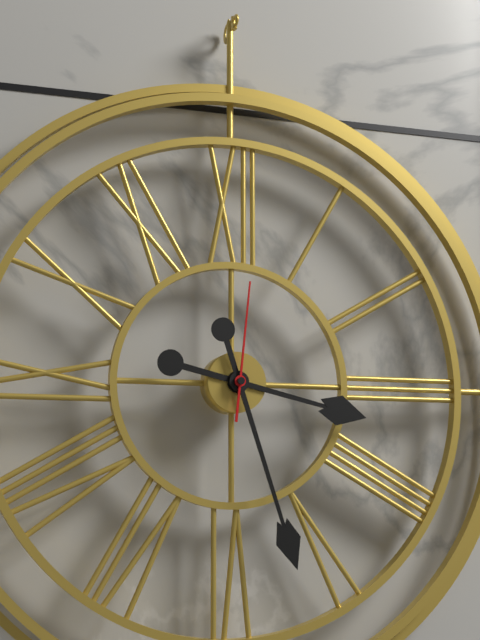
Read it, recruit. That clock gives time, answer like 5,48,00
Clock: 3,27,01
